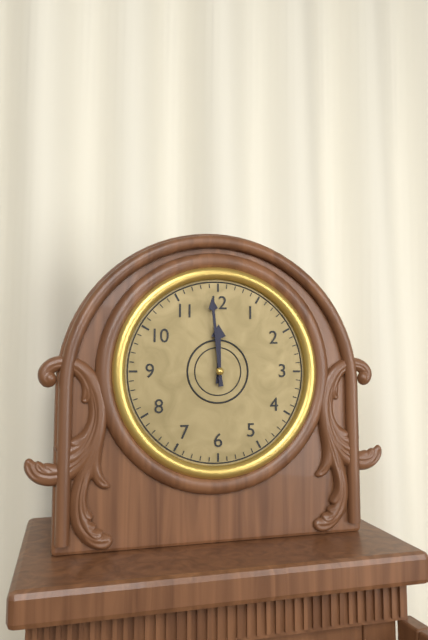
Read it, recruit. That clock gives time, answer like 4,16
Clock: 11,59
